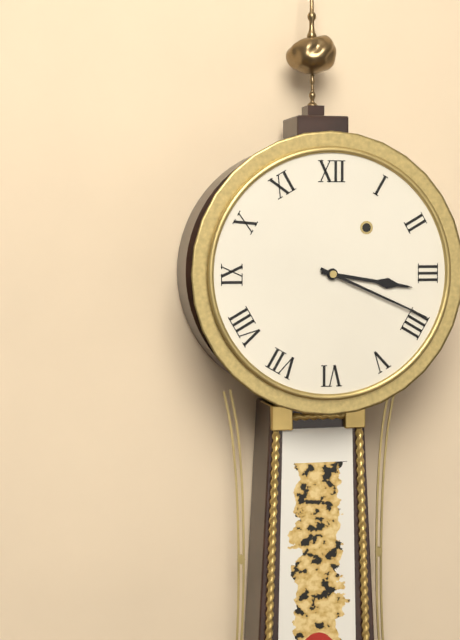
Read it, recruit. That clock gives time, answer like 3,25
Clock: 3,19
